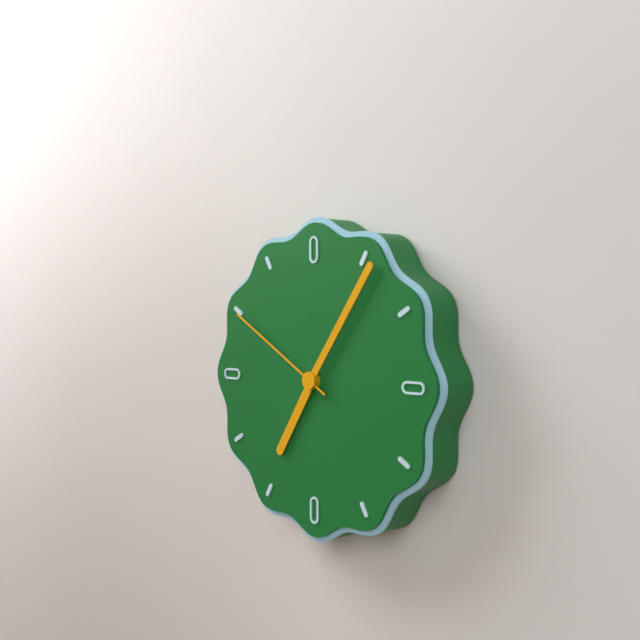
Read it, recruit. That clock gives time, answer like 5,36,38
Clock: 7,06,50
